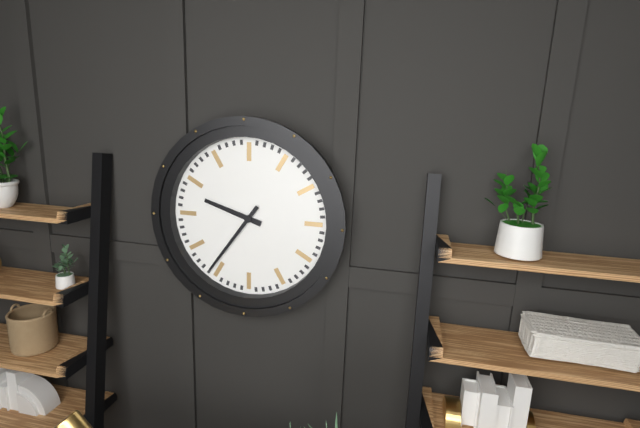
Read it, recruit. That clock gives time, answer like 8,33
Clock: 9,36
